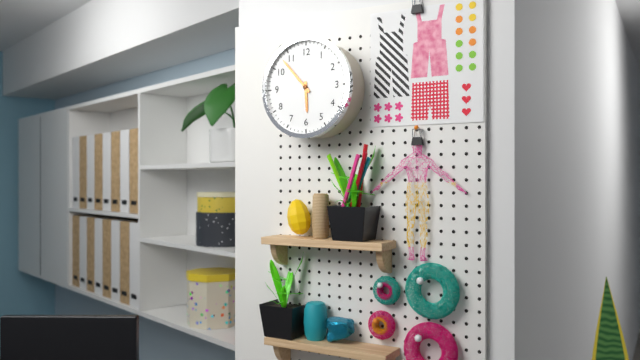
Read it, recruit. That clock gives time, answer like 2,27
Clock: 5,53
